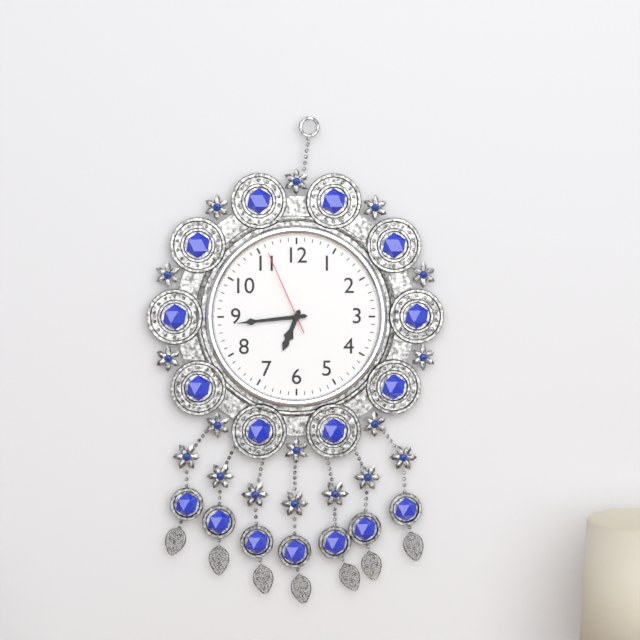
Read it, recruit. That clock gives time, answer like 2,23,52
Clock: 6,44,56
